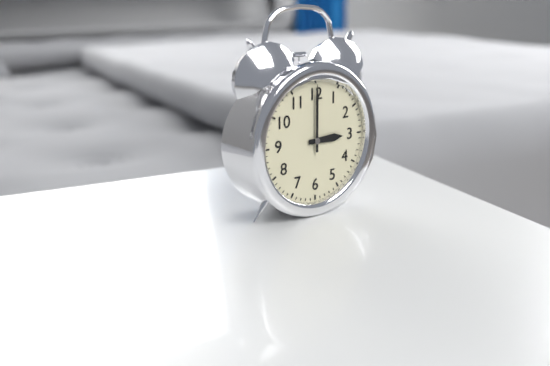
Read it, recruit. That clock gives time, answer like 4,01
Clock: 3,00
